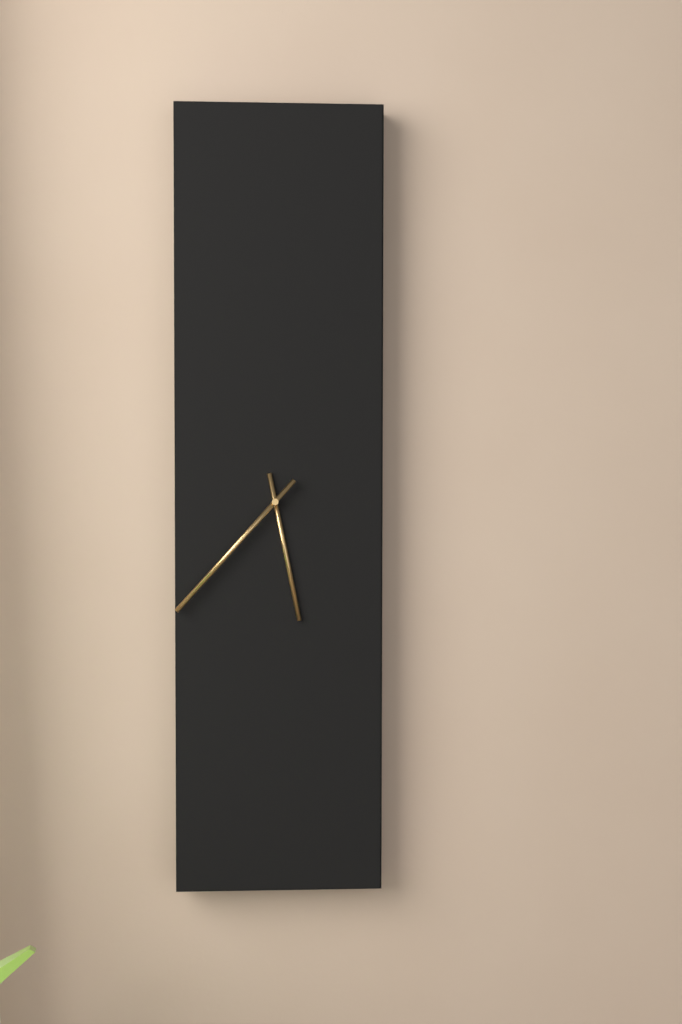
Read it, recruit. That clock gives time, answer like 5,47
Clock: 5,37
